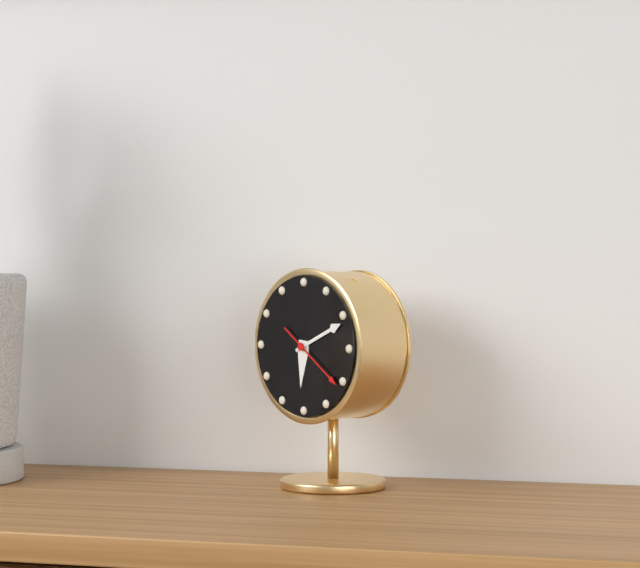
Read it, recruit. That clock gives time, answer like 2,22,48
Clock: 6,11,21
